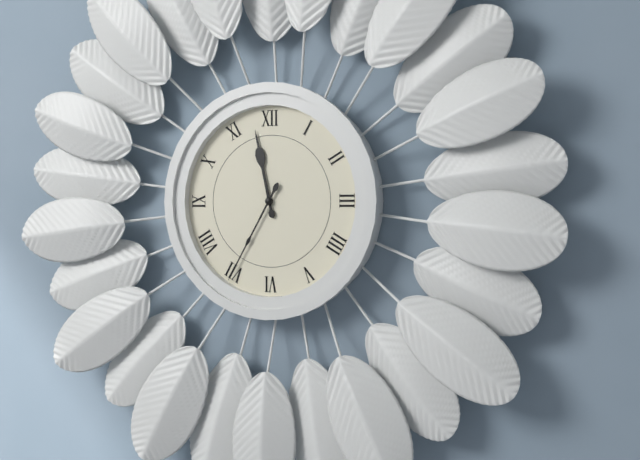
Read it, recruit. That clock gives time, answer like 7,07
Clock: 11,35
